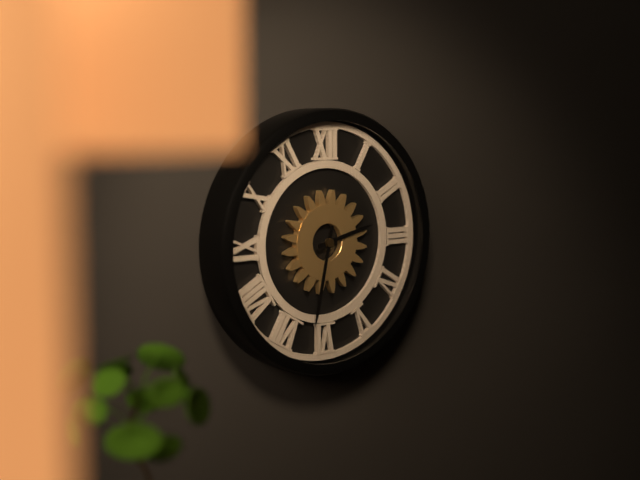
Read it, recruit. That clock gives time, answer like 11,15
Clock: 2,32
